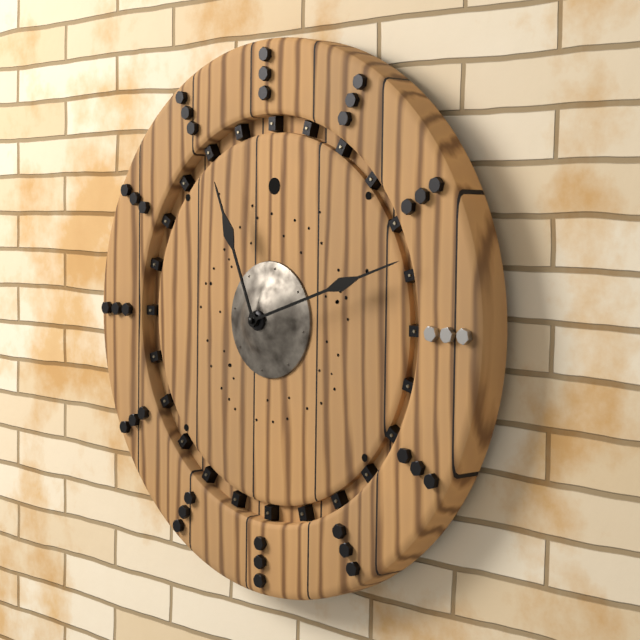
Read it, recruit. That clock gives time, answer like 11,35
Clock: 11,12
